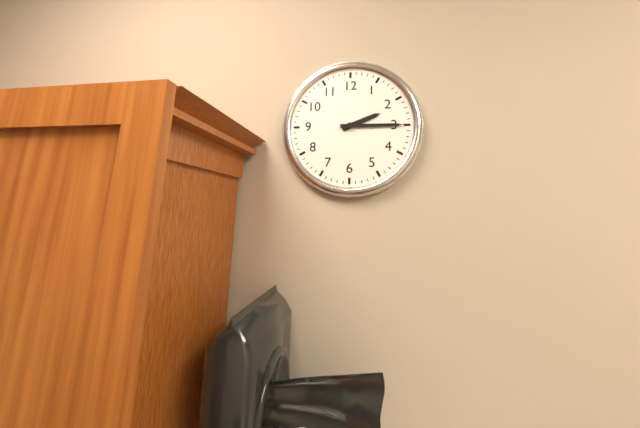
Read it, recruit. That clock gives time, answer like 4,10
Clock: 2,15
